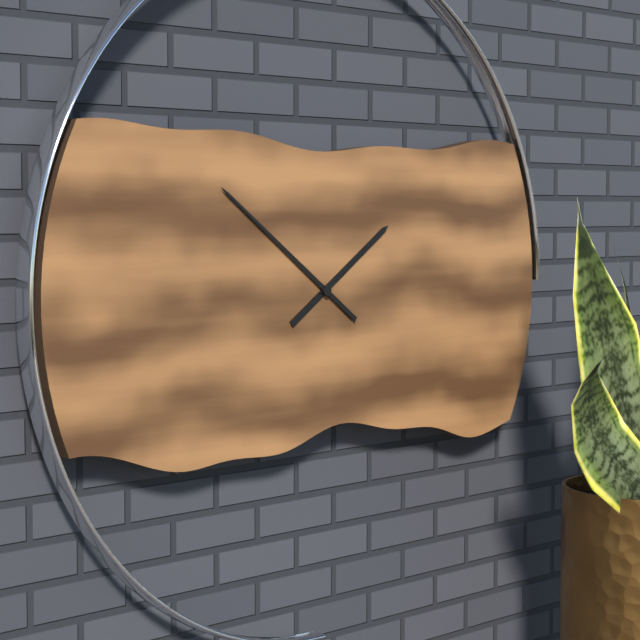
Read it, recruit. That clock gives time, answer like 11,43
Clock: 1,51
